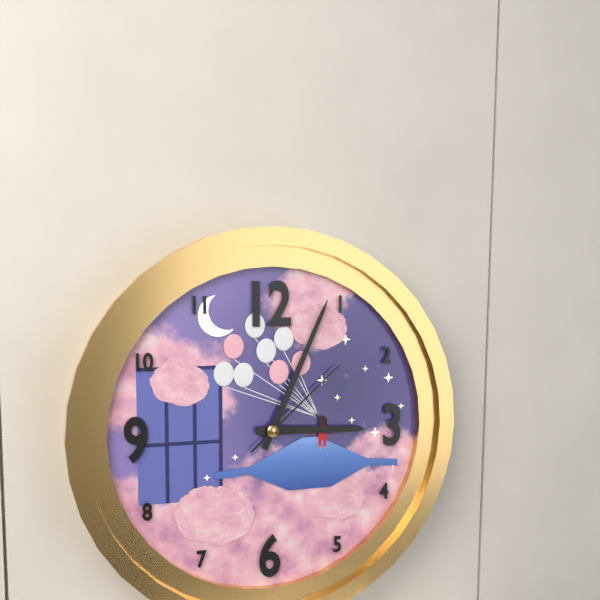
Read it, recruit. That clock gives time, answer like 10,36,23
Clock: 3,04,08
